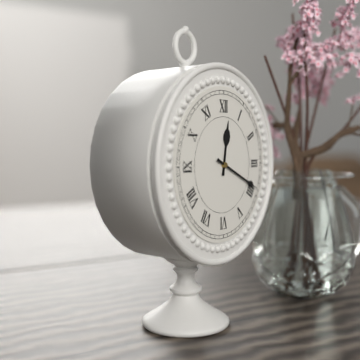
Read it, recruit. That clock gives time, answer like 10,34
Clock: 12,19
